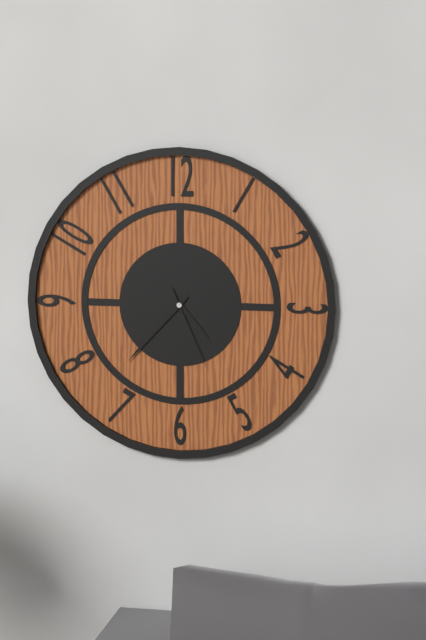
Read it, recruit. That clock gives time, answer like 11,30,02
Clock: 4,37,26
